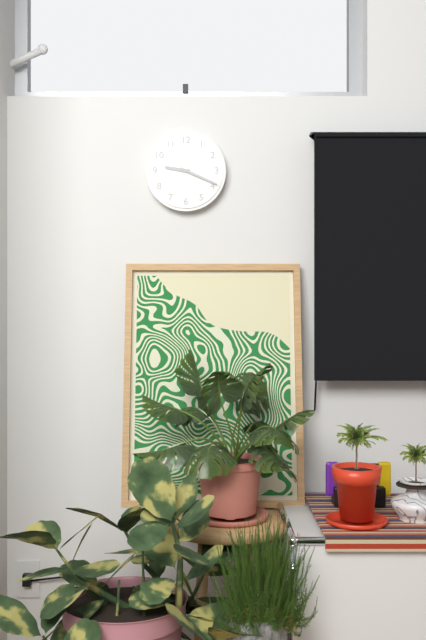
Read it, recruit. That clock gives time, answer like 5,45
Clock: 9,19
